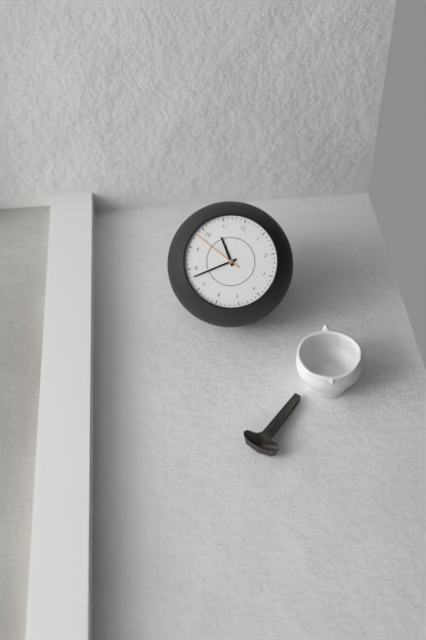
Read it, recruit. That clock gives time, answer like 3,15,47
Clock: 10,38,48
